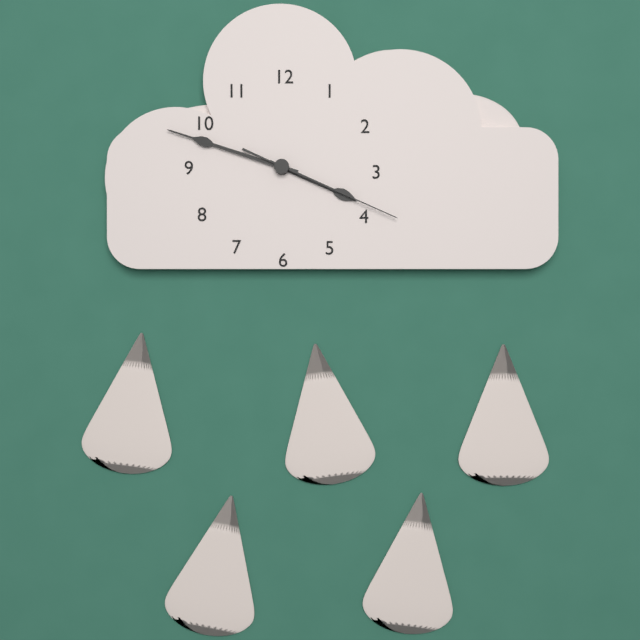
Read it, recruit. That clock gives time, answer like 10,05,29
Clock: 3,48,19
